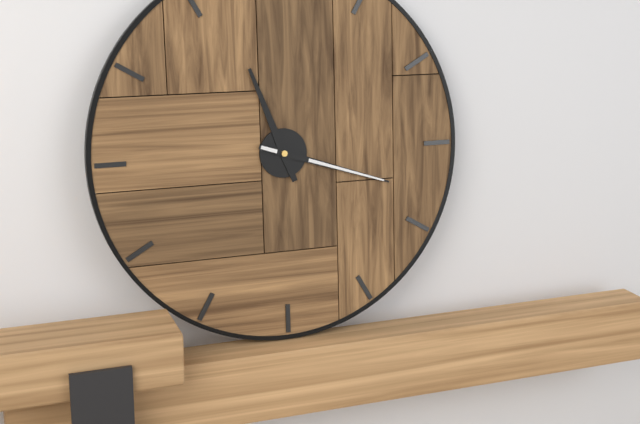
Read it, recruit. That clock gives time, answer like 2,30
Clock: 11,18
